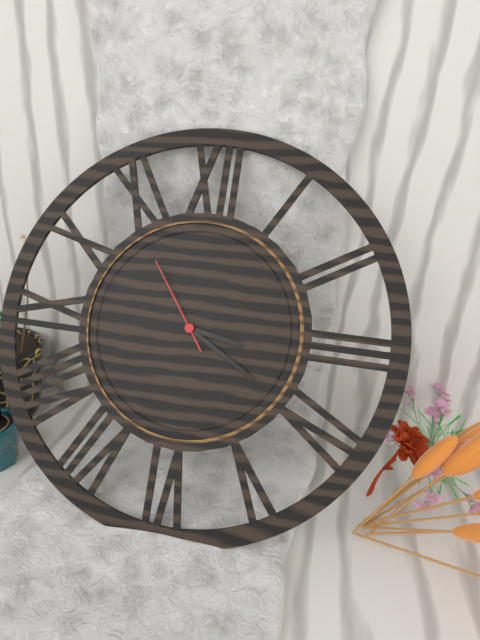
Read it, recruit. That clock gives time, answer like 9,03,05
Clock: 3,20,54
